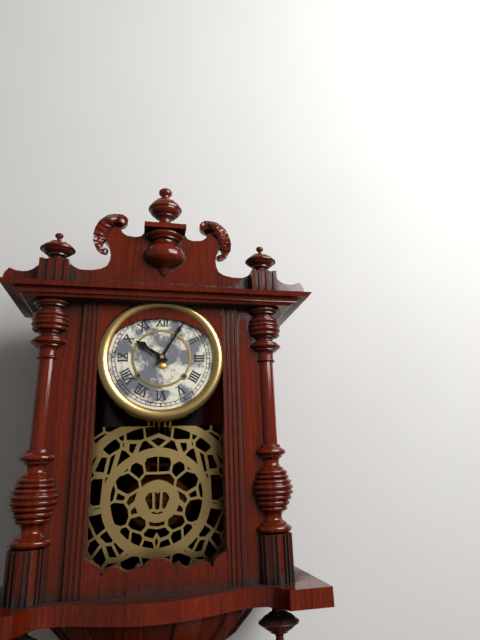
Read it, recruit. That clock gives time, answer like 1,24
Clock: 10,05
